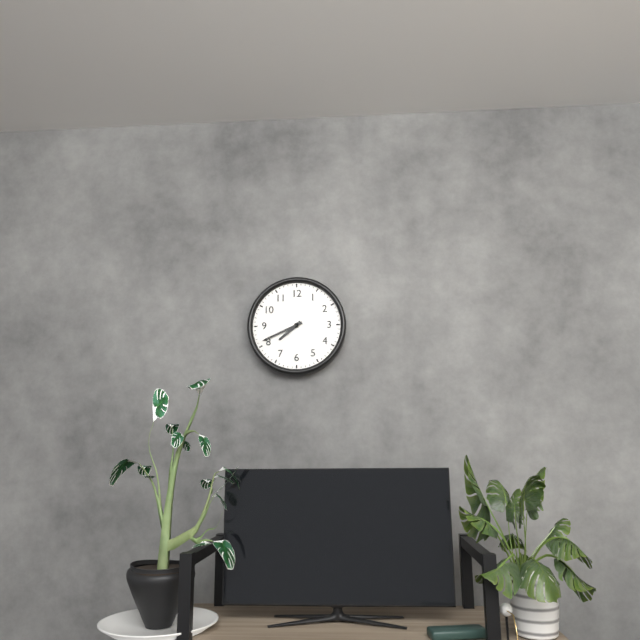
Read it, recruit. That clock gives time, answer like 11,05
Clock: 7,41
